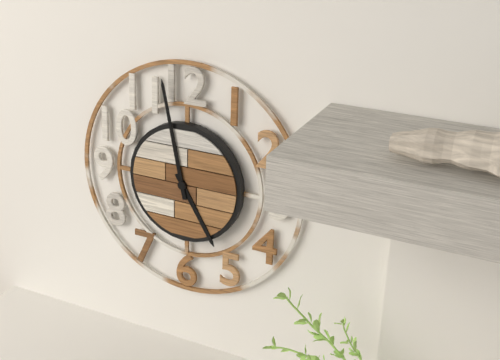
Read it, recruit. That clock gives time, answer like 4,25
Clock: 4,58
